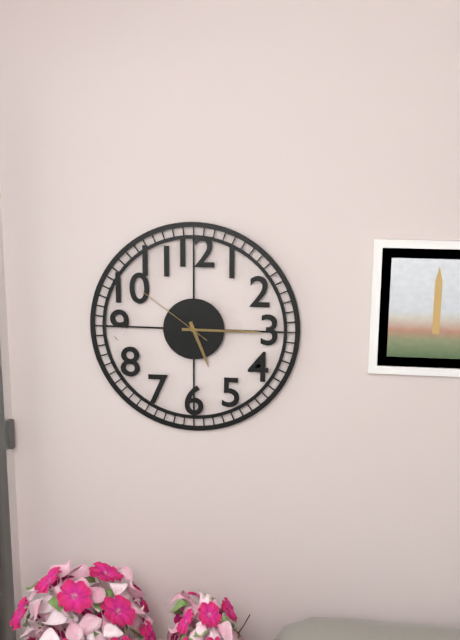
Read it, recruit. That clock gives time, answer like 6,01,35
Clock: 5,15,51
